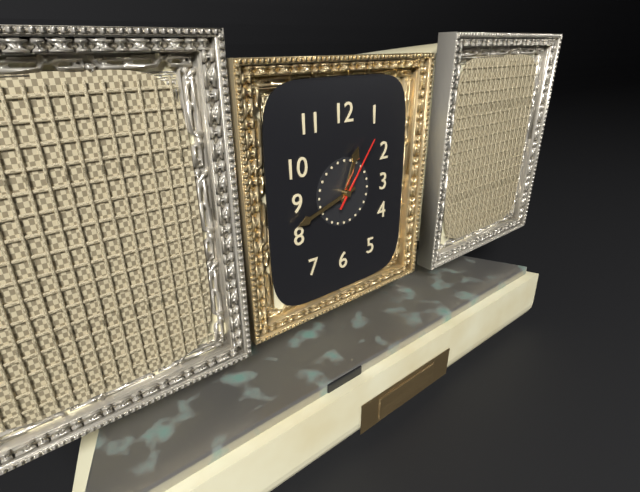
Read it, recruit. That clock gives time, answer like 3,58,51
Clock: 12,42,06
